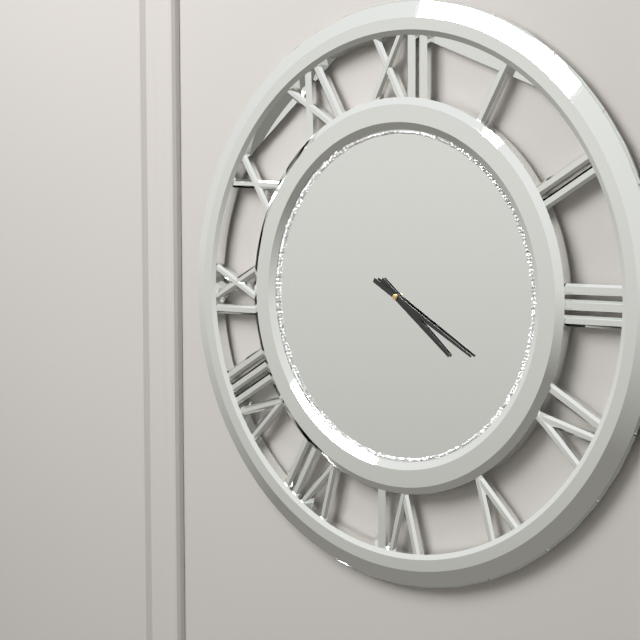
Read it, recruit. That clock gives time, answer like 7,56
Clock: 4,20
